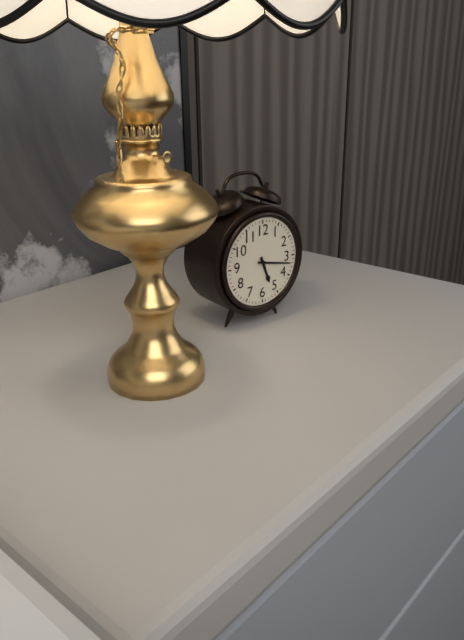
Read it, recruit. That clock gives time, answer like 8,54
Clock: 5,17
